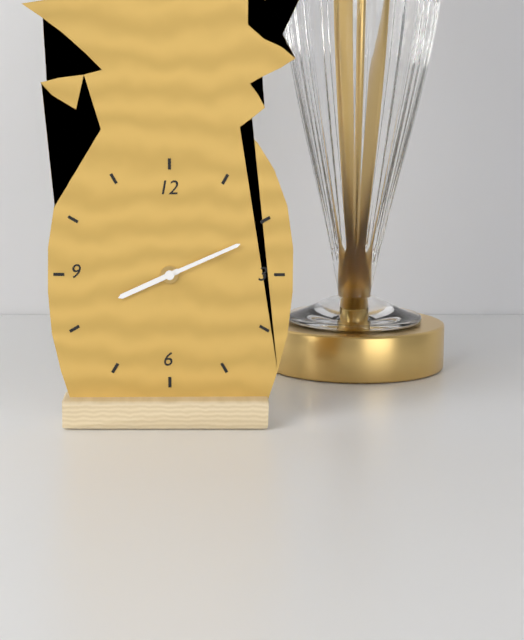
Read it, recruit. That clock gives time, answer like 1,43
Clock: 8,11
